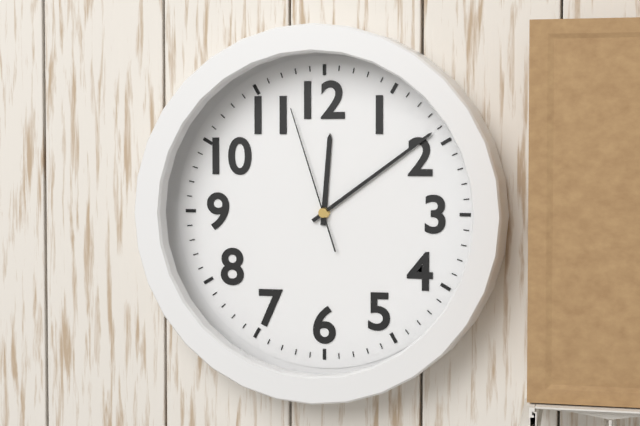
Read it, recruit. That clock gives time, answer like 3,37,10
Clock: 12,09,57
